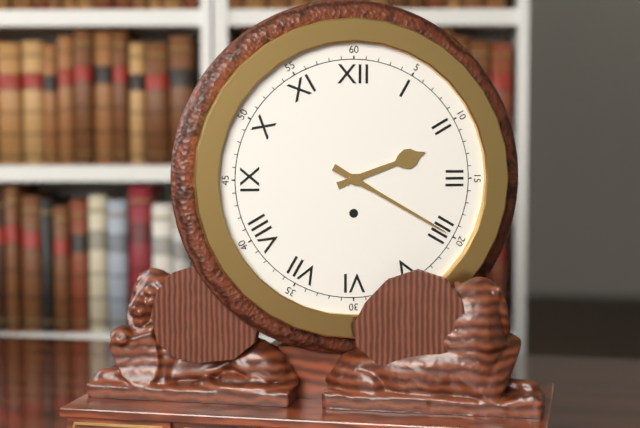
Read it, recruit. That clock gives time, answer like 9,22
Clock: 2,20
